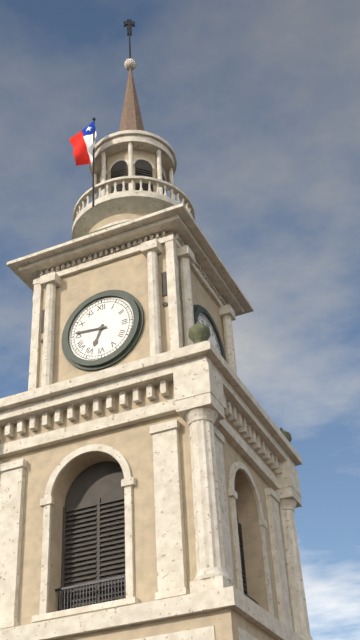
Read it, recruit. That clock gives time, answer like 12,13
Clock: 6,46
